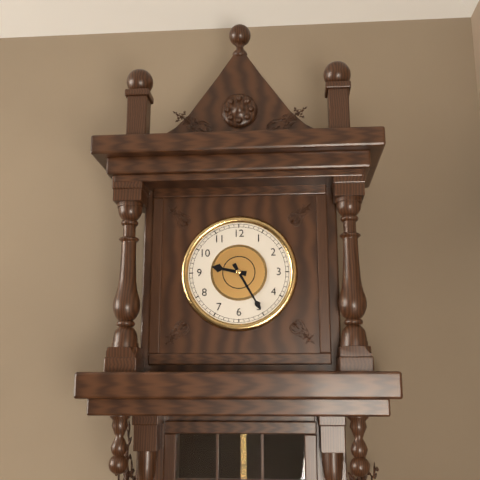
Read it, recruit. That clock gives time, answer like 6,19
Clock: 9,25
